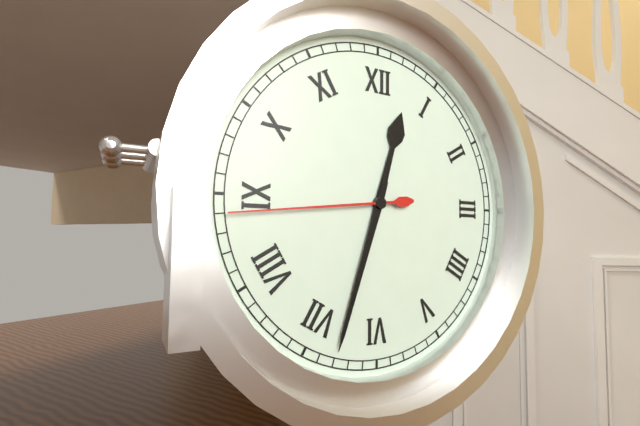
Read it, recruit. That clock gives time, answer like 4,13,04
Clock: 12,33,44
